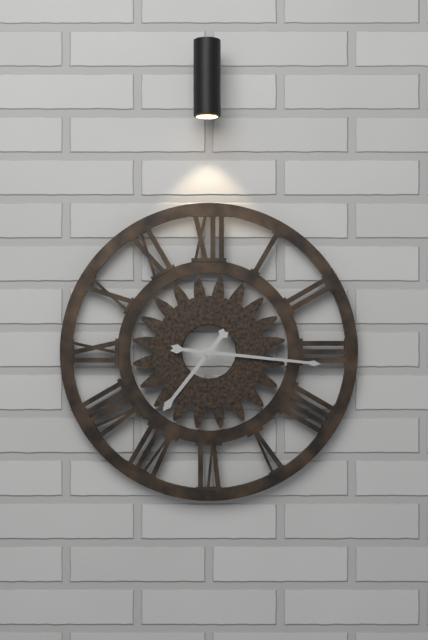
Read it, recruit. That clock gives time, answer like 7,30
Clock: 7,16
